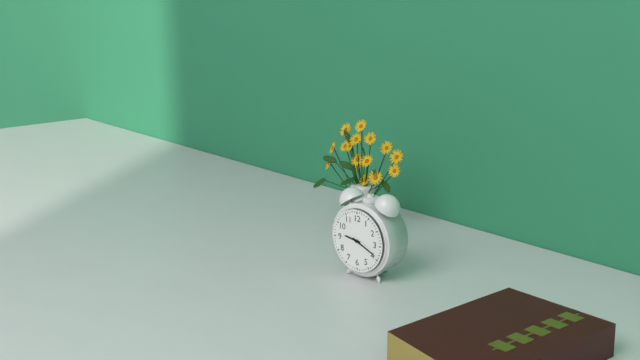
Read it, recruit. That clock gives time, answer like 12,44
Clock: 9,19
